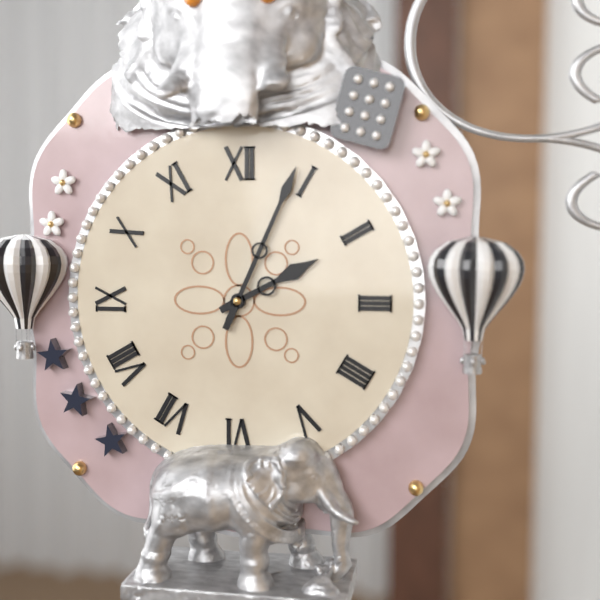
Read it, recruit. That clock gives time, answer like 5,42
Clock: 2,04
